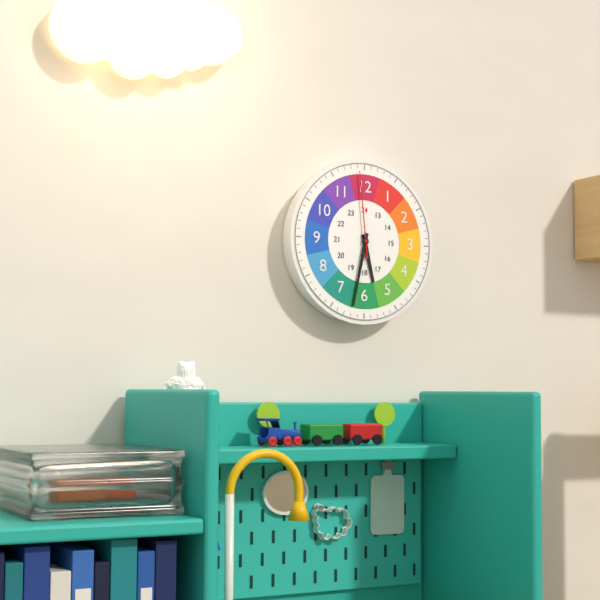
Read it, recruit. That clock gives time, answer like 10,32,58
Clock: 5,32,59
